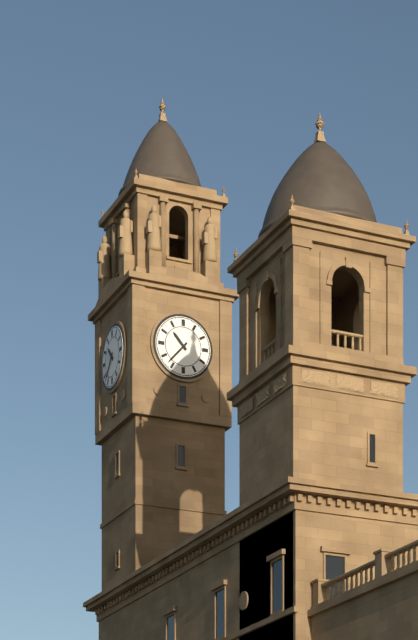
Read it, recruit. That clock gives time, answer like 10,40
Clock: 10,37
